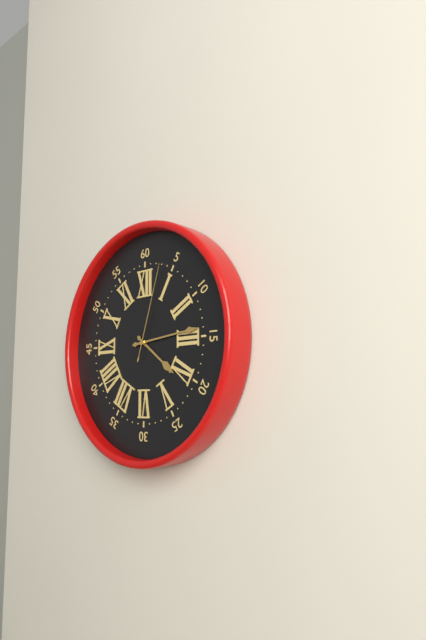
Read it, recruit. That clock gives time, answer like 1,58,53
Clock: 4,14,03
